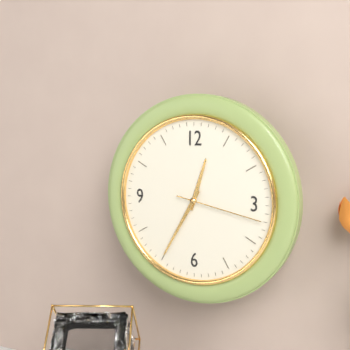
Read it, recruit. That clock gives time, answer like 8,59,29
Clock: 12,35,17
